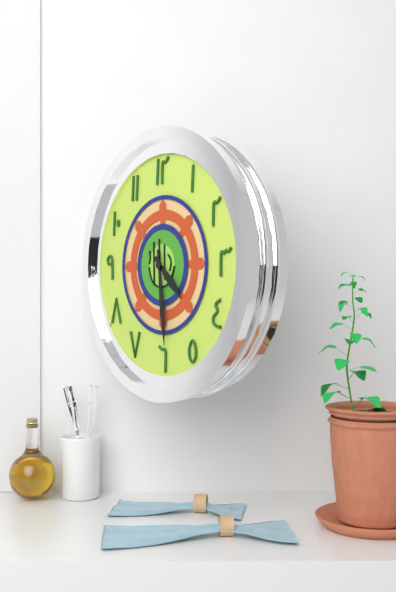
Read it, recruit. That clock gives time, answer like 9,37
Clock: 4,29
